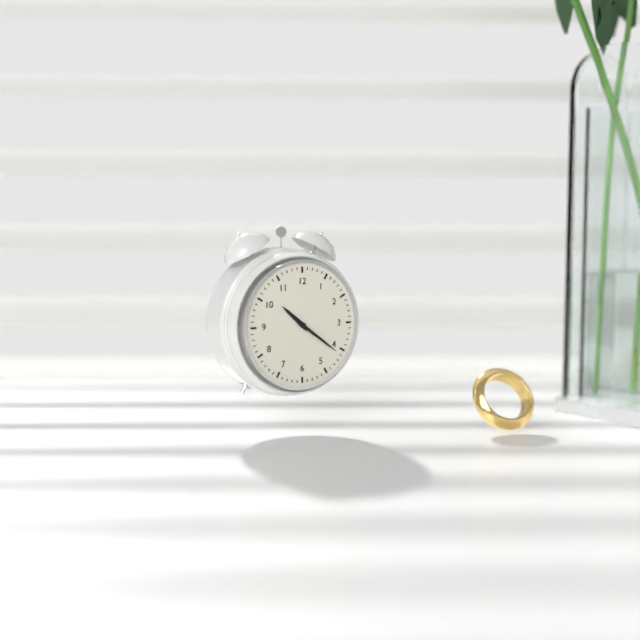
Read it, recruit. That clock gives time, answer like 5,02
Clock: 10,21
